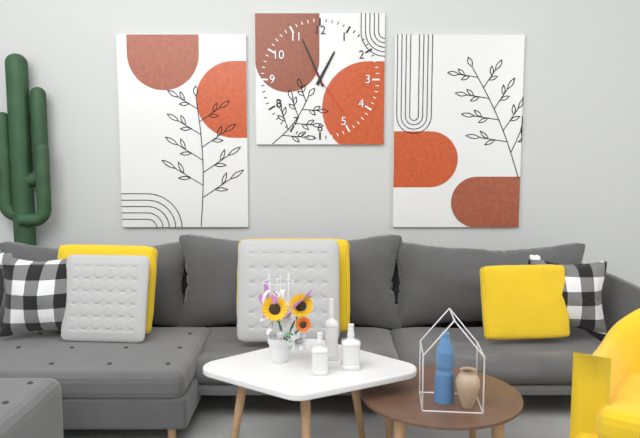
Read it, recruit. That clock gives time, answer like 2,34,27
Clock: 12,56,24
